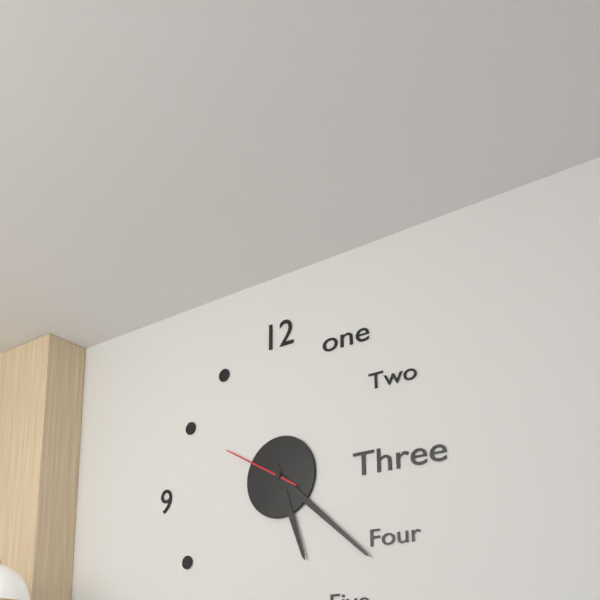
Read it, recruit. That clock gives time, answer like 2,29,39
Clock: 5,22,50
